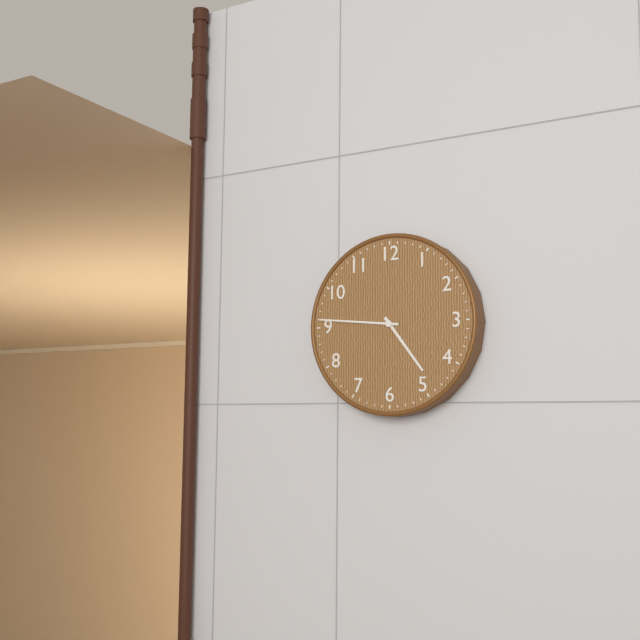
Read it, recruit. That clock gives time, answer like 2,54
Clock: 4,46
